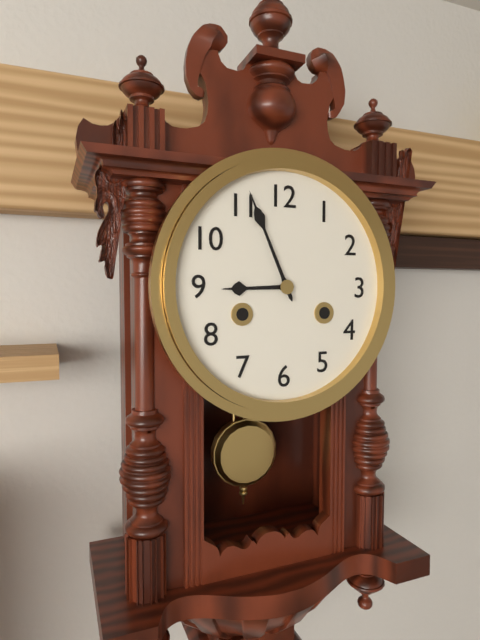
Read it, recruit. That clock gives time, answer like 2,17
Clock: 8,56
